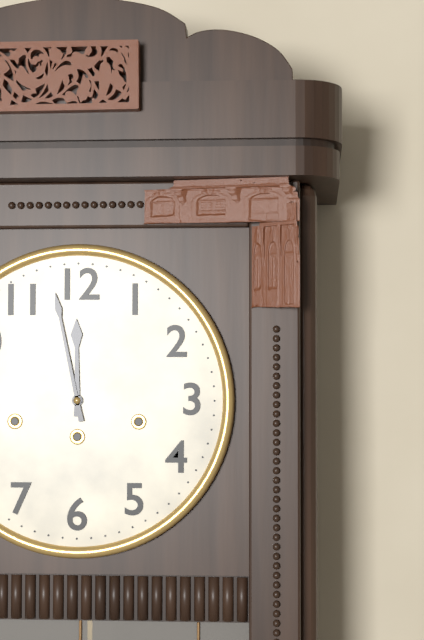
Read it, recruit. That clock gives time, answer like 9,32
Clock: 11,58
